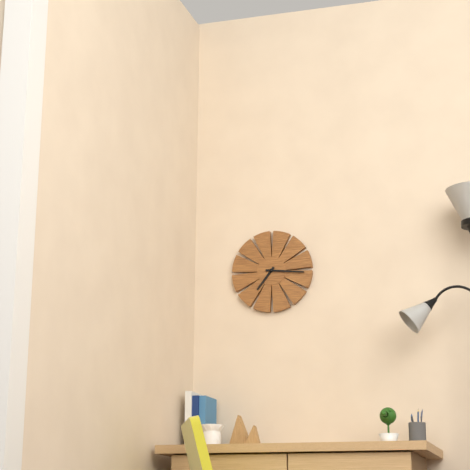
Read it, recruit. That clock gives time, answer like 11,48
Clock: 7,16
